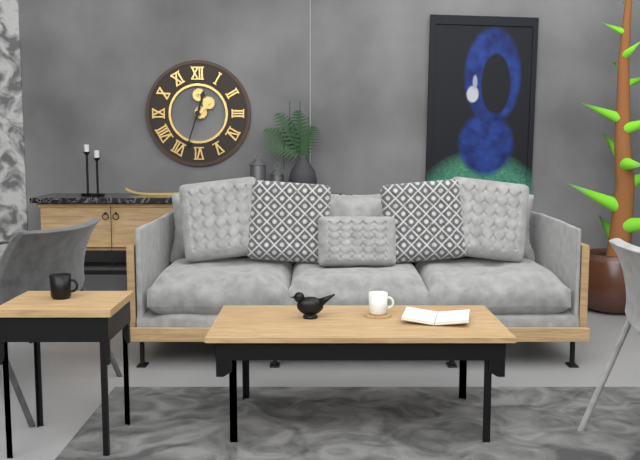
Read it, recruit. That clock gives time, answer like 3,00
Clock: 12,33
